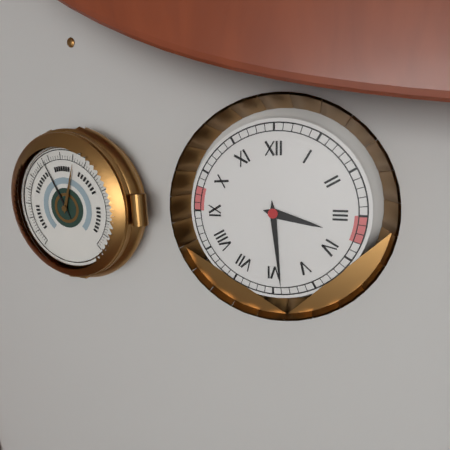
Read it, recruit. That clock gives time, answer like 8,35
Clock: 3,29
